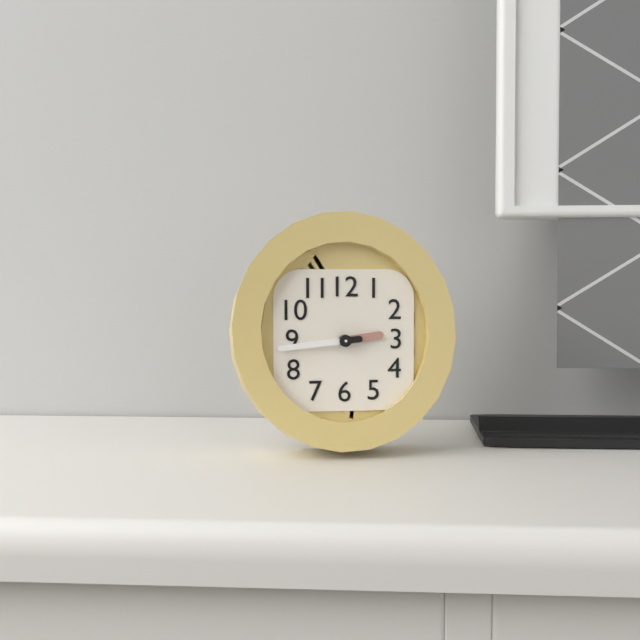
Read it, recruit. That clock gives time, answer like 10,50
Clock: 2,44
